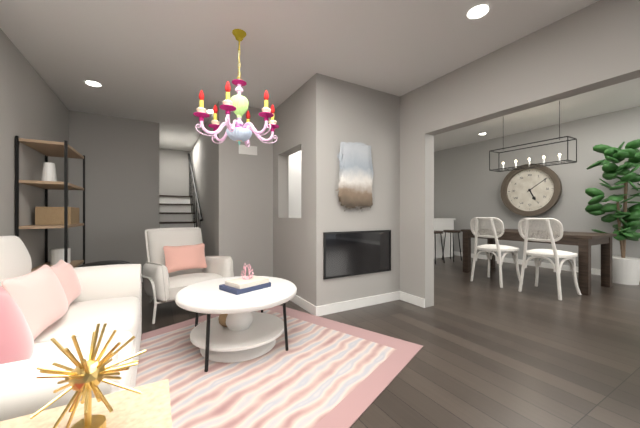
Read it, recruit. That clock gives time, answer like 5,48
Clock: 5,09
